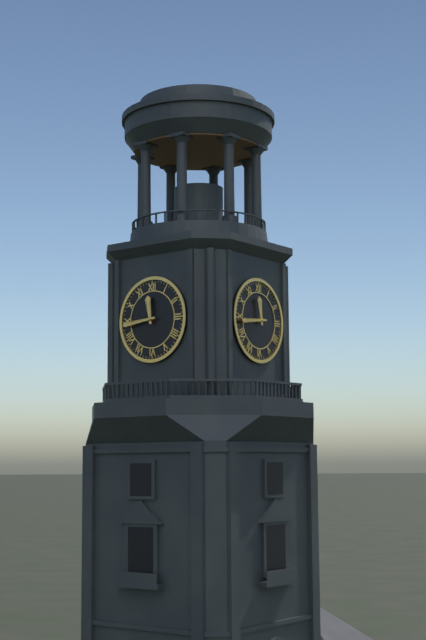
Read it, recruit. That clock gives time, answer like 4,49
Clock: 11,44
